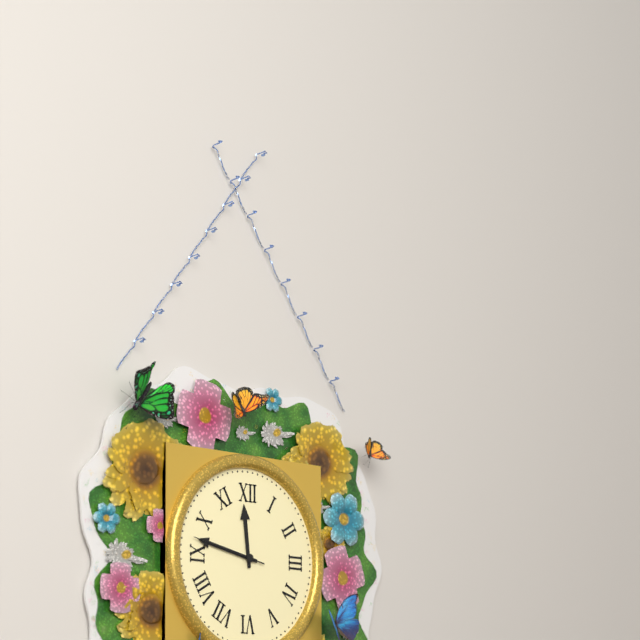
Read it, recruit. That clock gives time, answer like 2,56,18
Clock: 11,47,47
